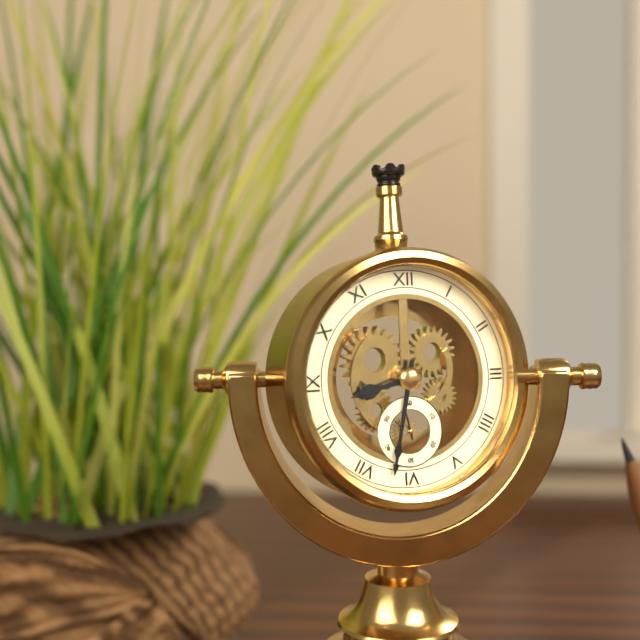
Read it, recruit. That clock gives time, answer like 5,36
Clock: 8,32
